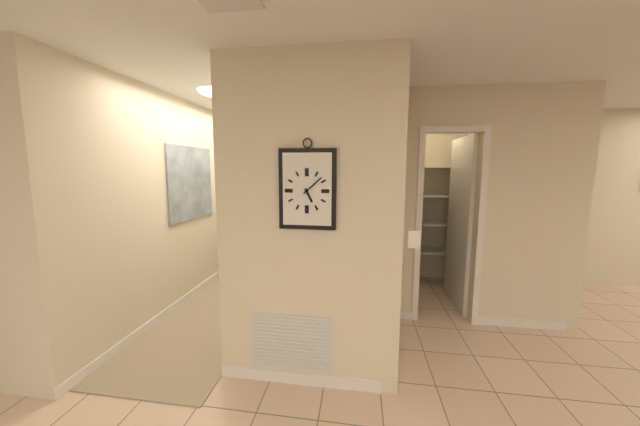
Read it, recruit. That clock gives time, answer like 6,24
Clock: 5,08
